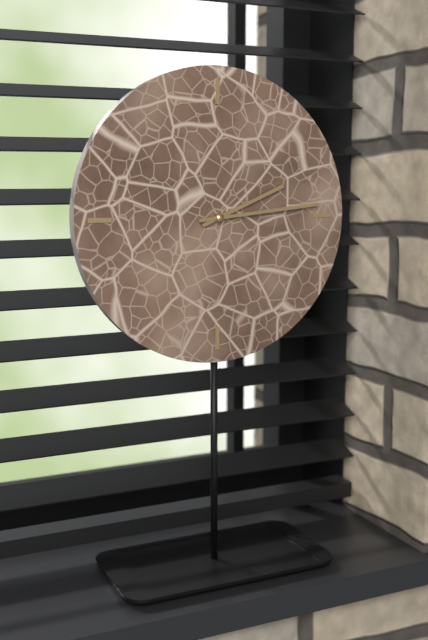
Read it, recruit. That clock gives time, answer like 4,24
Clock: 2,14
